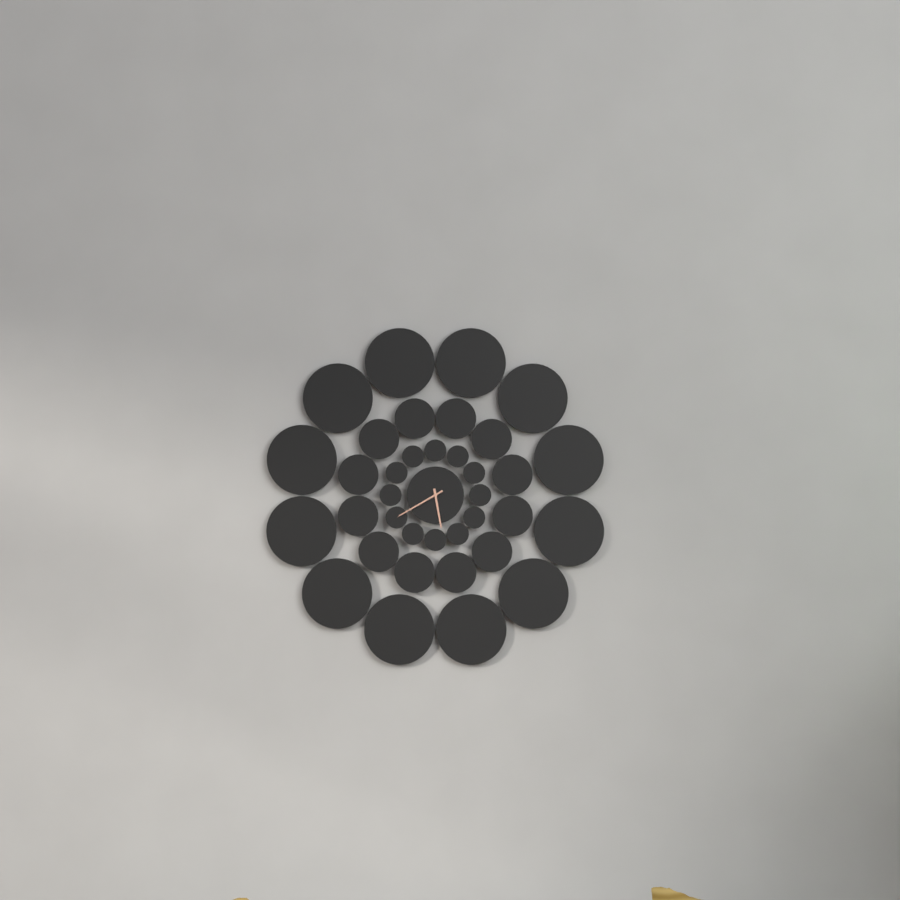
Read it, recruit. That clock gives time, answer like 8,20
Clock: 5,40
